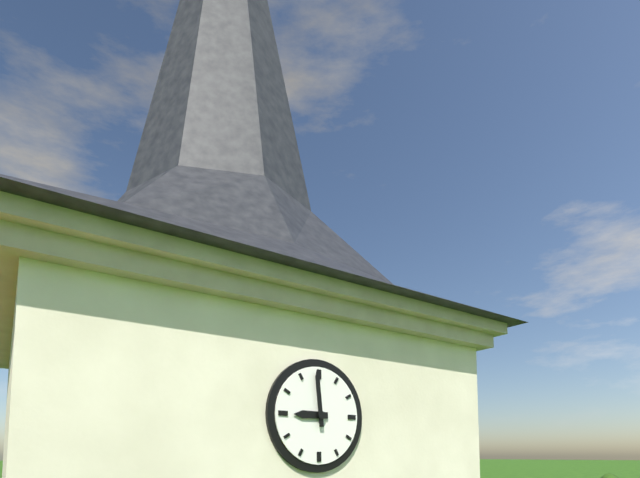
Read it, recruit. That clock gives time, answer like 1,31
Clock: 8,59
